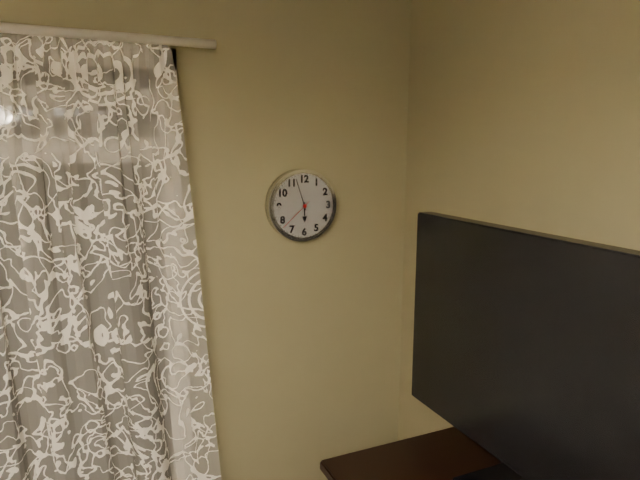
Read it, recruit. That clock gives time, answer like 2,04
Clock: 5,57
